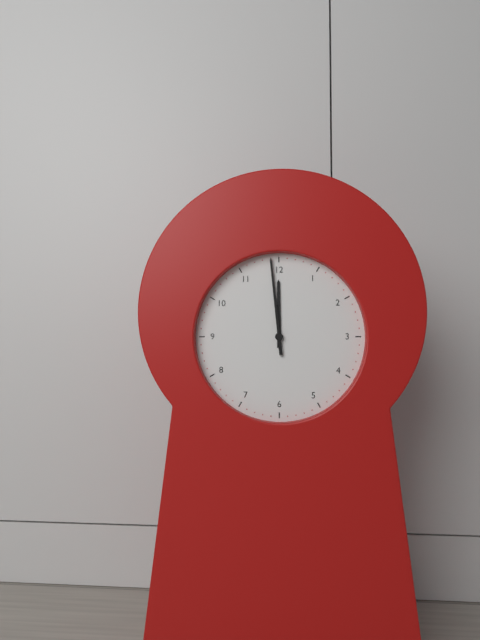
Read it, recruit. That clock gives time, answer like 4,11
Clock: 11,59
